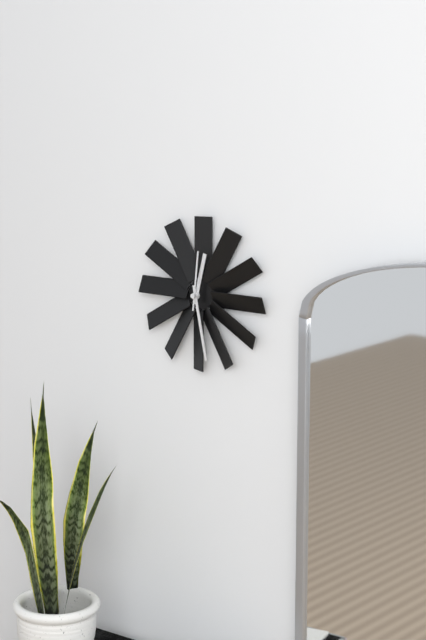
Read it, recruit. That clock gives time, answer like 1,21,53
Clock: 12,28,01
